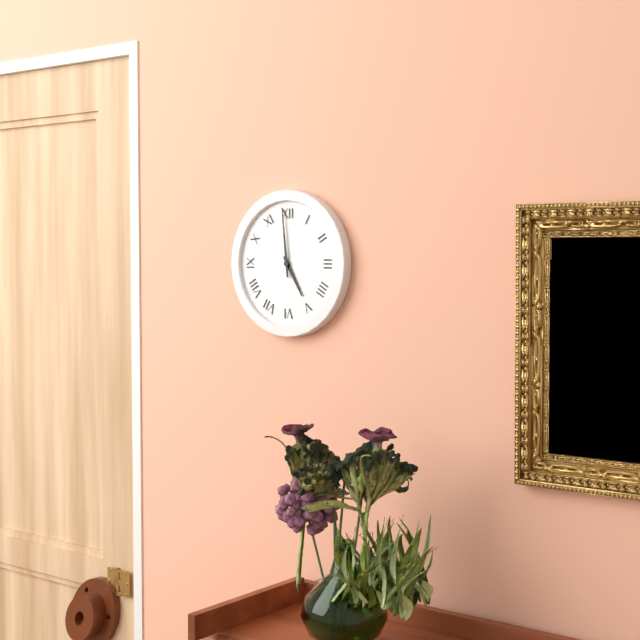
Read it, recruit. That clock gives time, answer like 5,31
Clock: 4,59
